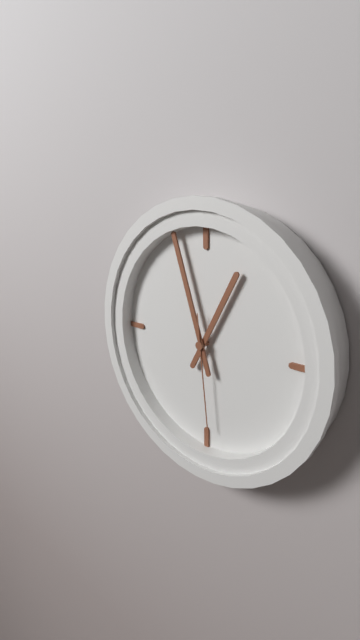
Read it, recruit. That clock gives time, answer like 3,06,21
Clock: 12,57,29
